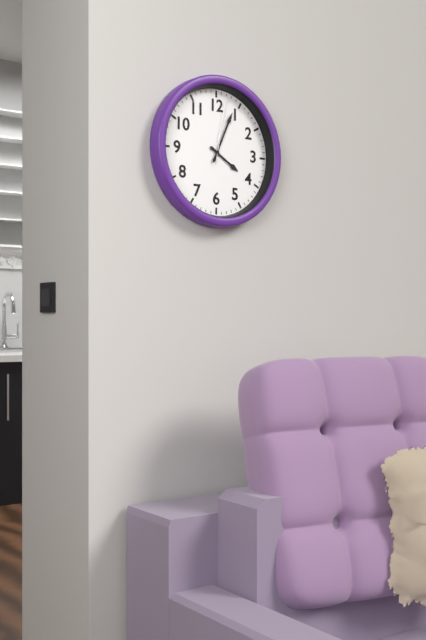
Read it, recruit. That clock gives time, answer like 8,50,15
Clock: 4,04,02
